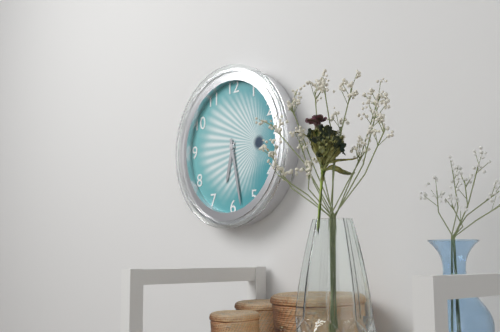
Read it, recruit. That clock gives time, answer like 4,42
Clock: 6,28
